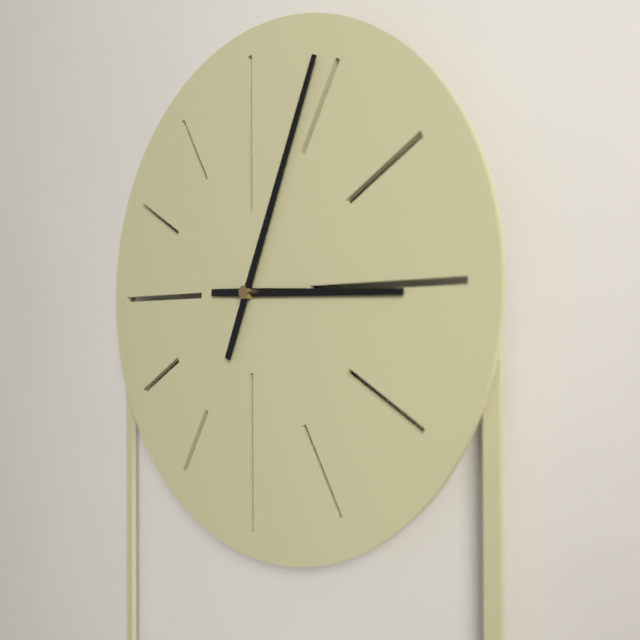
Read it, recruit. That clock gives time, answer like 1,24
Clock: 3,04
